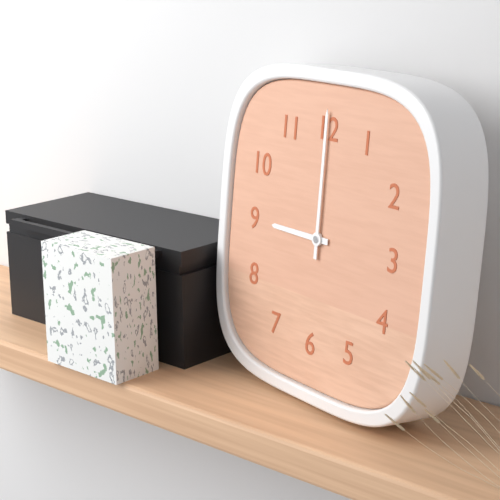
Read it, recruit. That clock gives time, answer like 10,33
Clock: 9,00
